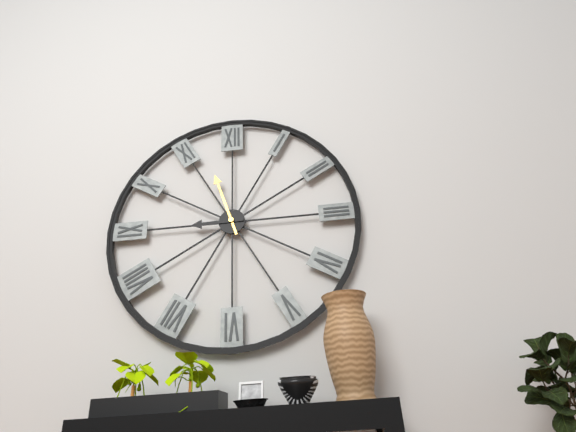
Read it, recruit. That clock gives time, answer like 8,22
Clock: 8,57
